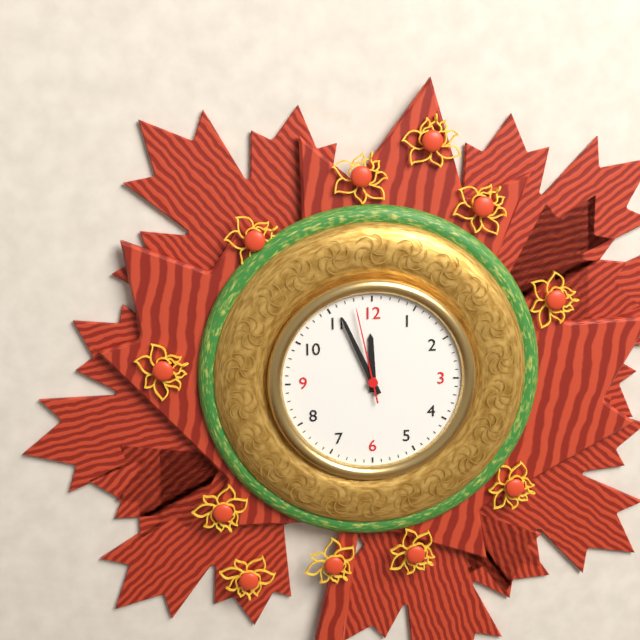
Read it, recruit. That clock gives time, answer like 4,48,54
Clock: 11,56,58
